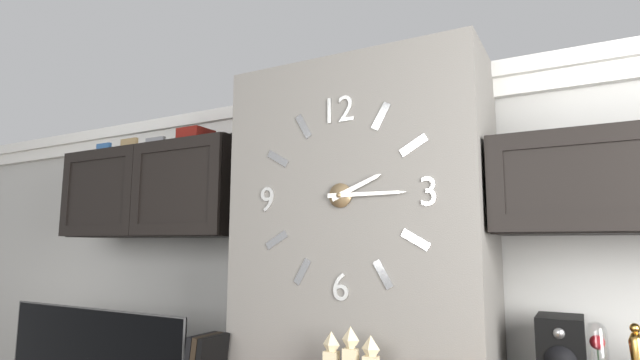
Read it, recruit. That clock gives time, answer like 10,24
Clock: 2,15
